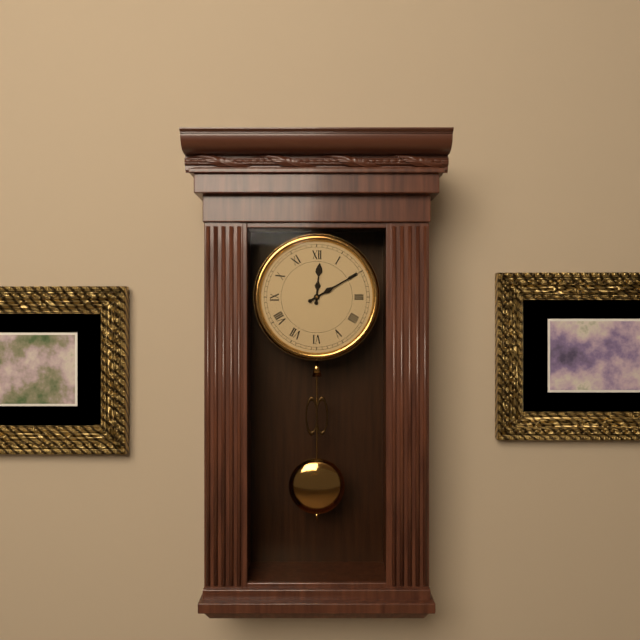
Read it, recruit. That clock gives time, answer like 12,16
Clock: 12,10
